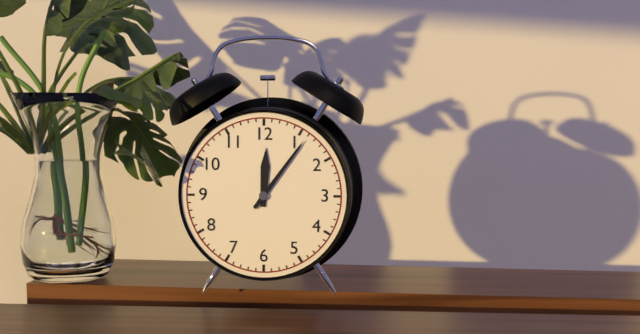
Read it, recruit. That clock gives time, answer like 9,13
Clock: 12,06
